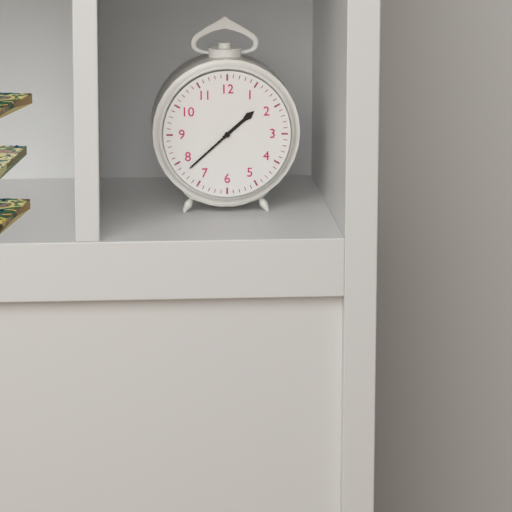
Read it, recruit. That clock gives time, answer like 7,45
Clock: 1,38
